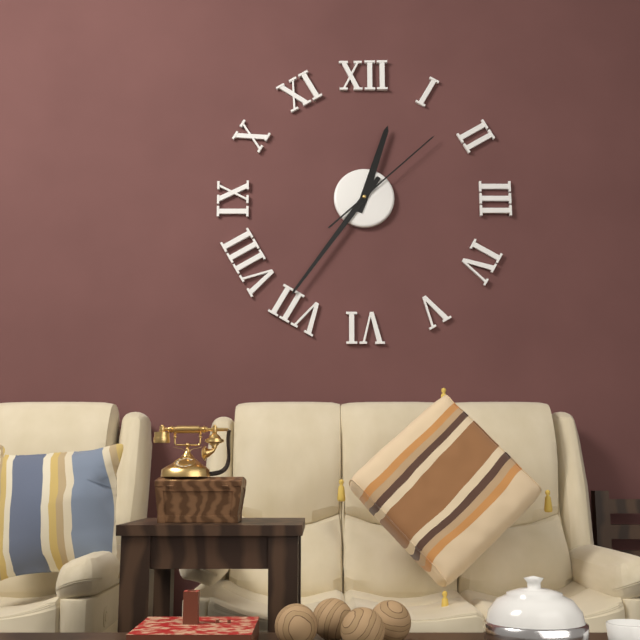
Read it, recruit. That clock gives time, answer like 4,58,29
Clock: 12,36,08
